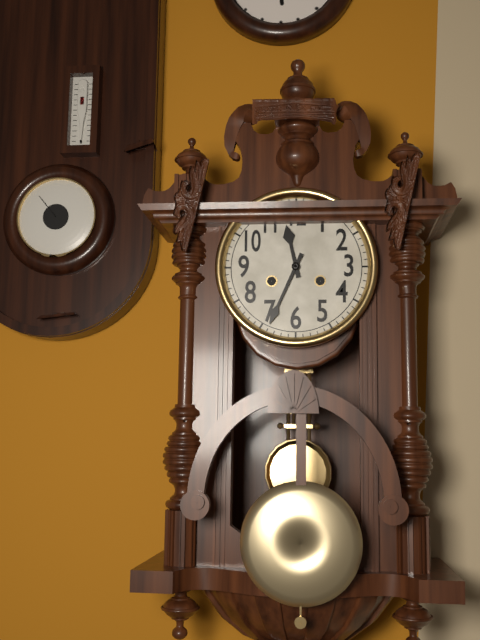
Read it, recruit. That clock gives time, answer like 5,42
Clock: 11,34
